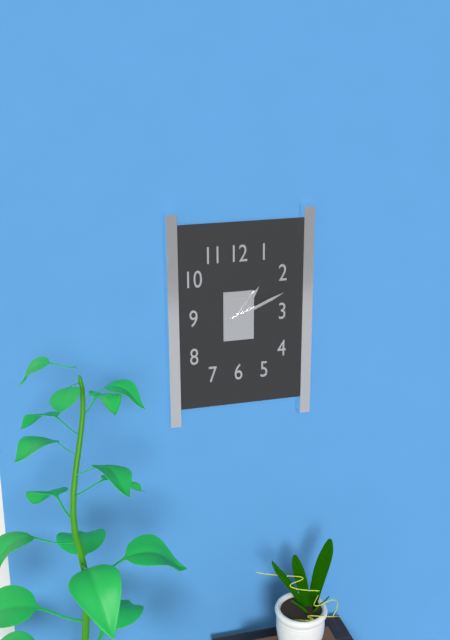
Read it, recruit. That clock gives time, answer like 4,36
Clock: 1,11
